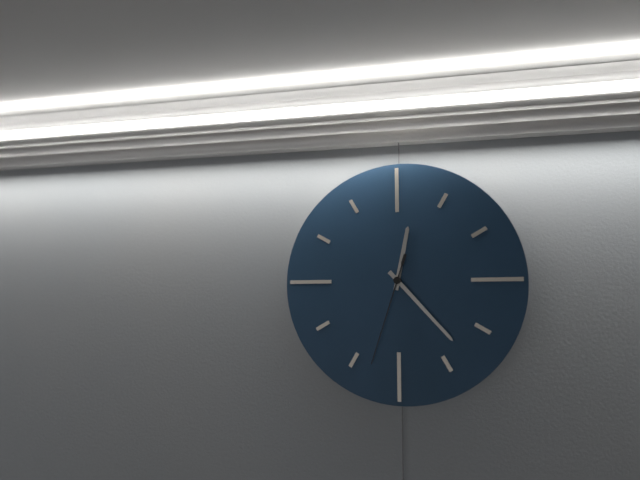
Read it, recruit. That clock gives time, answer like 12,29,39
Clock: 12,23,33
